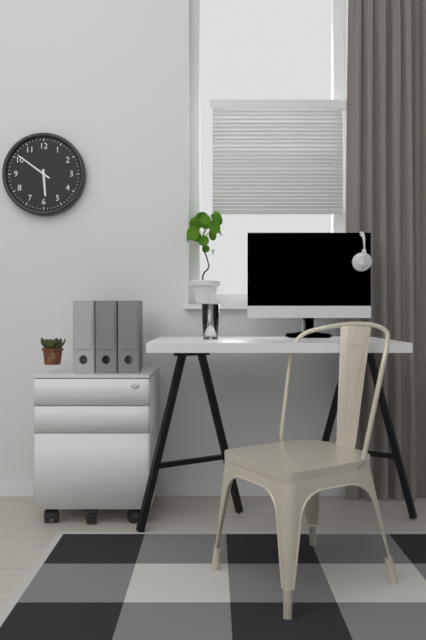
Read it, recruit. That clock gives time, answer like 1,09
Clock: 5,51
